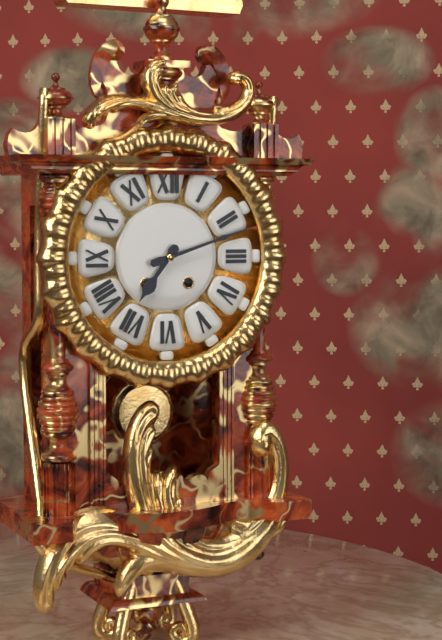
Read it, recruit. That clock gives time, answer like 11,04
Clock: 7,12
